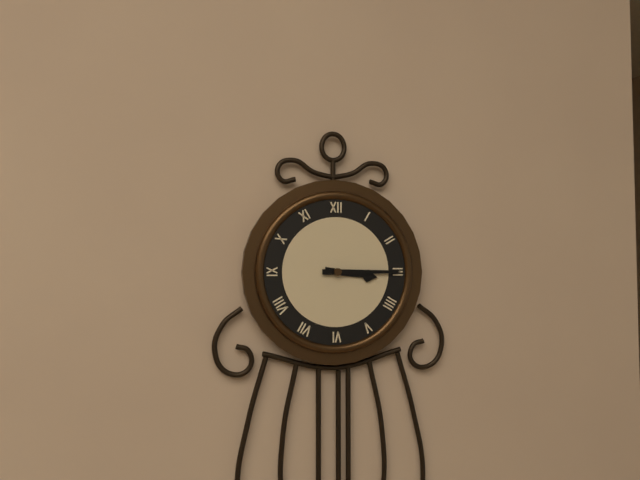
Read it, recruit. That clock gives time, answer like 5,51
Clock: 3,15
